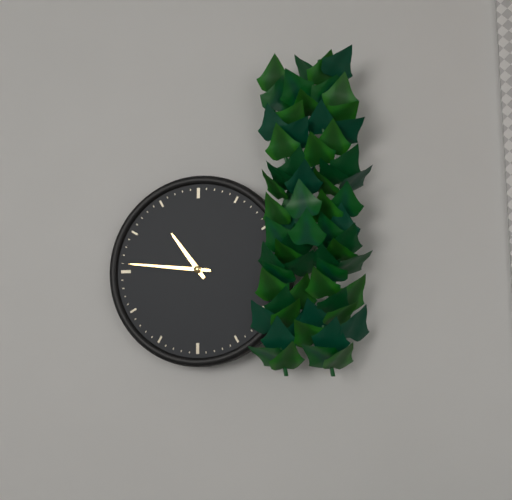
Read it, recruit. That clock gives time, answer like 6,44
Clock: 10,46
